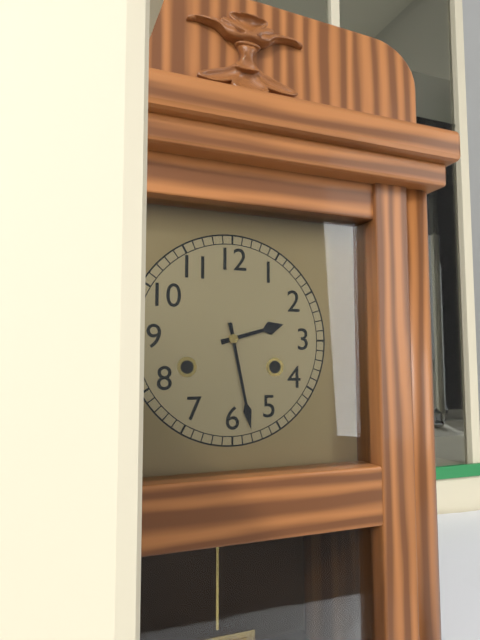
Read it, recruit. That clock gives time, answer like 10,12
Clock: 2,28
